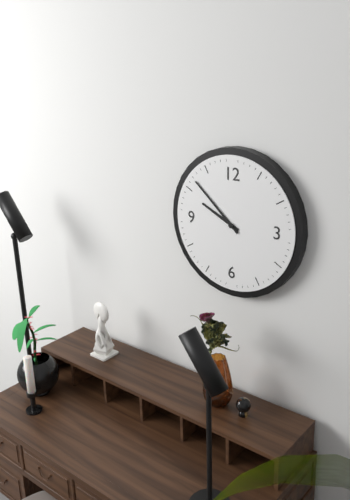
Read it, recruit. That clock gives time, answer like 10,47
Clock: 9,52
